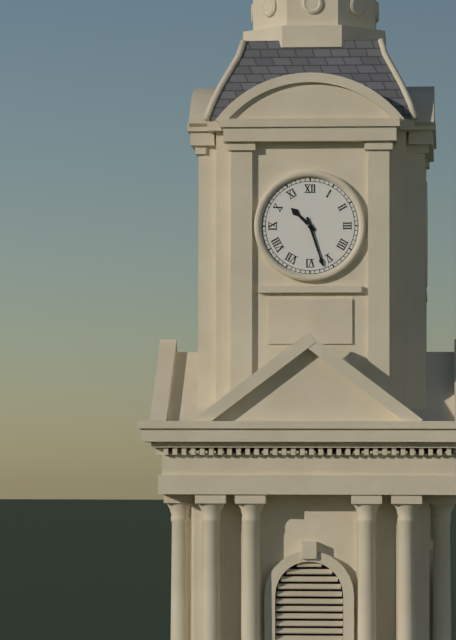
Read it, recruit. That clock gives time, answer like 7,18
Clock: 10,27
